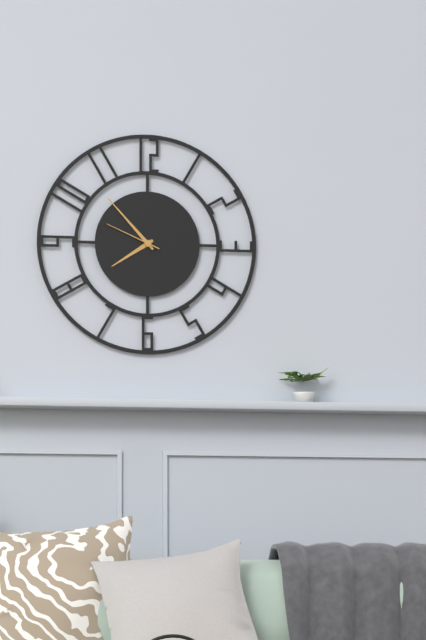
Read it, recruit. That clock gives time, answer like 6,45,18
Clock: 7,53,49
